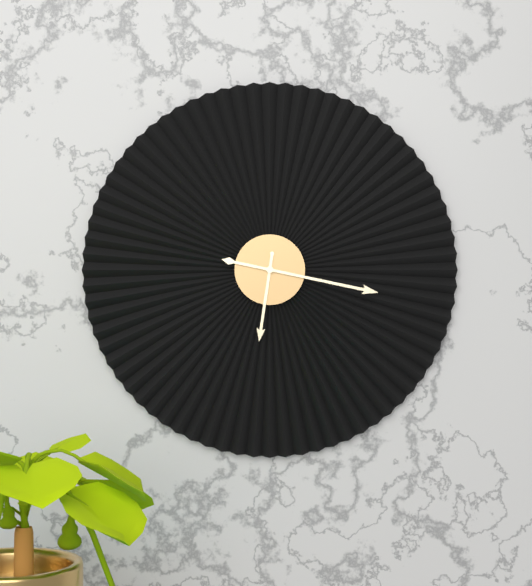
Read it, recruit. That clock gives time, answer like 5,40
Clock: 6,17
